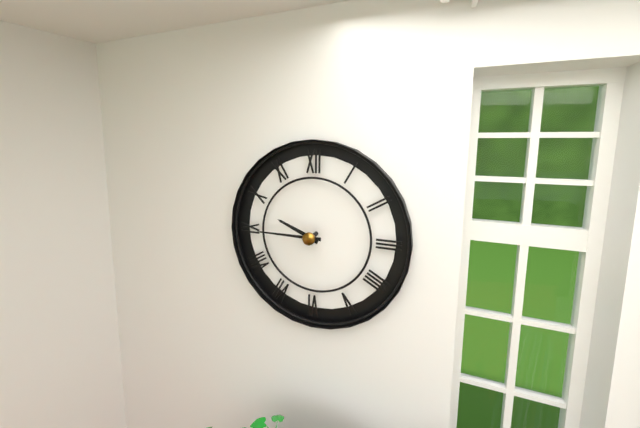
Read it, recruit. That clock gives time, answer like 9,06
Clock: 9,45
